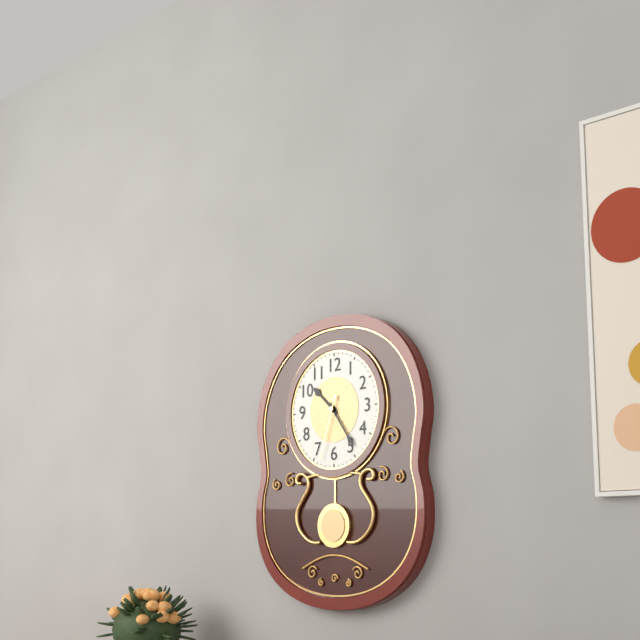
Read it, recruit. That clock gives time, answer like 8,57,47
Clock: 10,24,33
